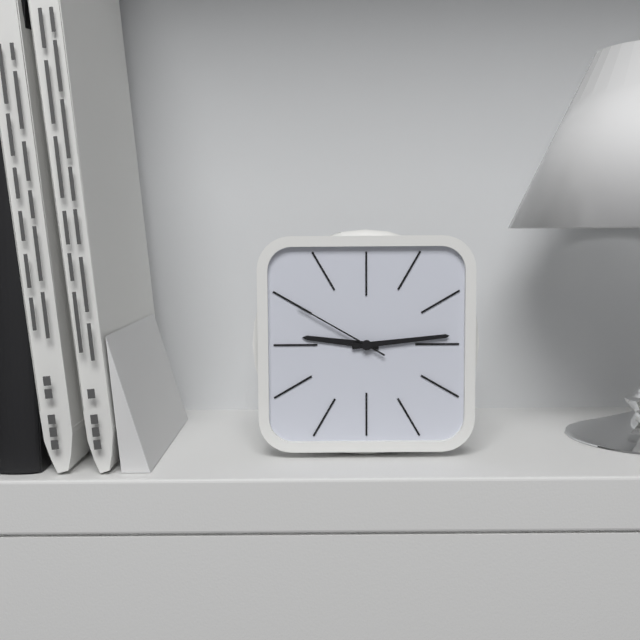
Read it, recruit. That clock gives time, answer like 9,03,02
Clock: 9,14,50
